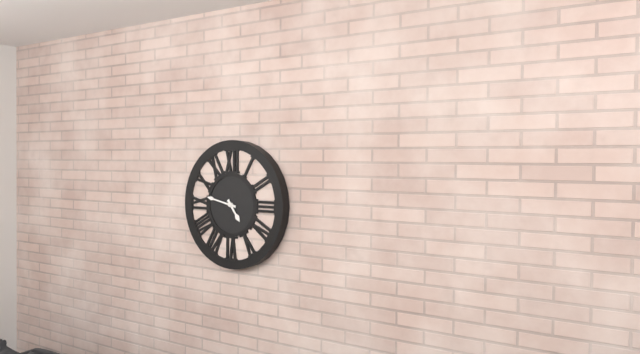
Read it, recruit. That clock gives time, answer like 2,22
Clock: 4,47
